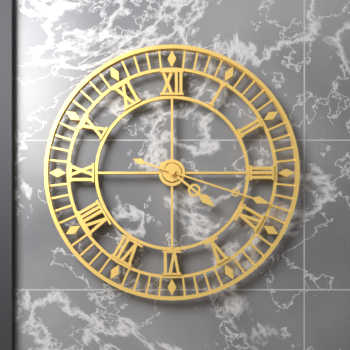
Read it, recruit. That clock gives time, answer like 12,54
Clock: 4,18
